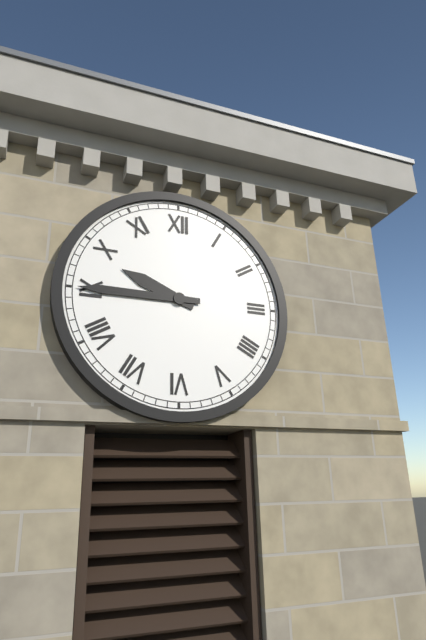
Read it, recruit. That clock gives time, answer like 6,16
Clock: 9,45
